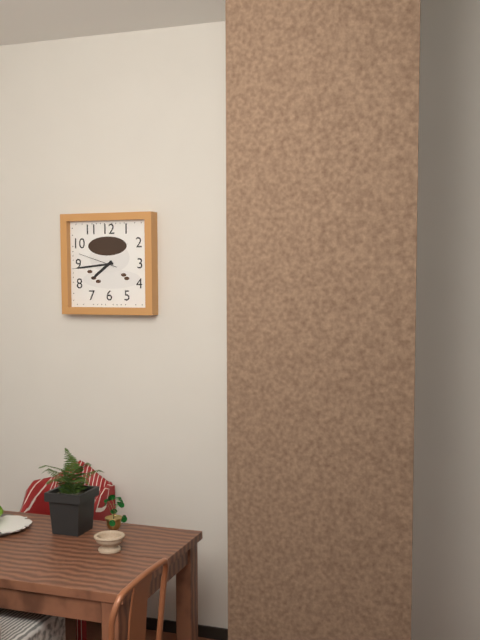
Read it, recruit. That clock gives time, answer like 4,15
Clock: 7,44
